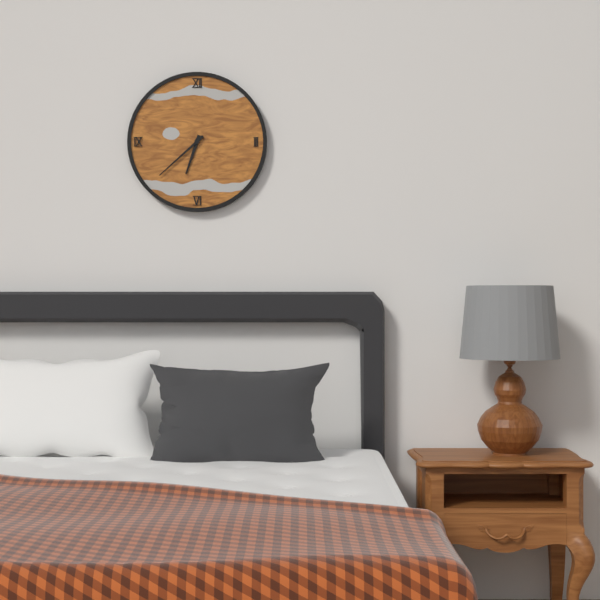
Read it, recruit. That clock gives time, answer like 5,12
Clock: 6,38
